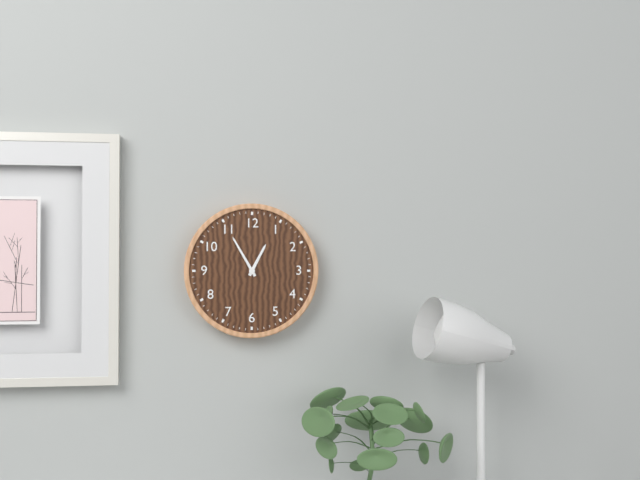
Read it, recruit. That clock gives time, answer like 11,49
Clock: 12,55
